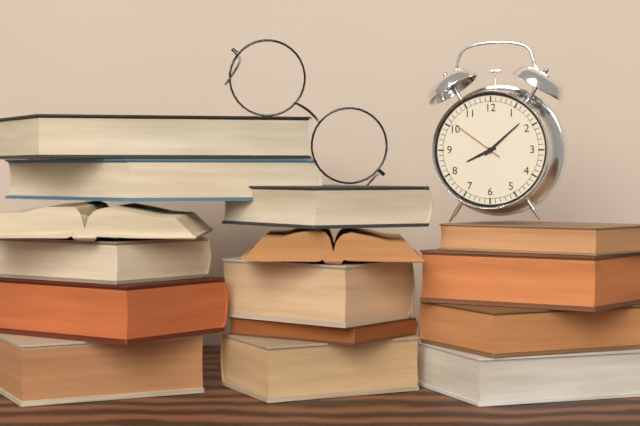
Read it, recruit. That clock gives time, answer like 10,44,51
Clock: 8,08,51
